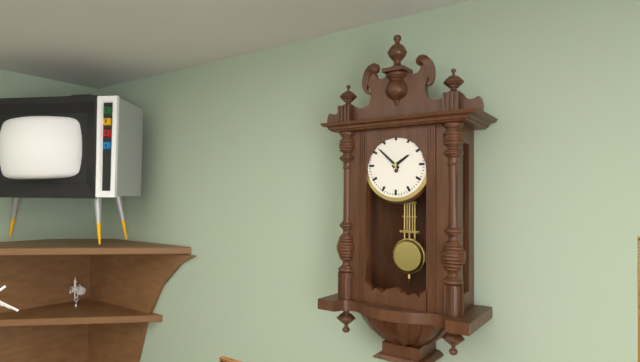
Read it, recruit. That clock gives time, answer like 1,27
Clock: 1,52
